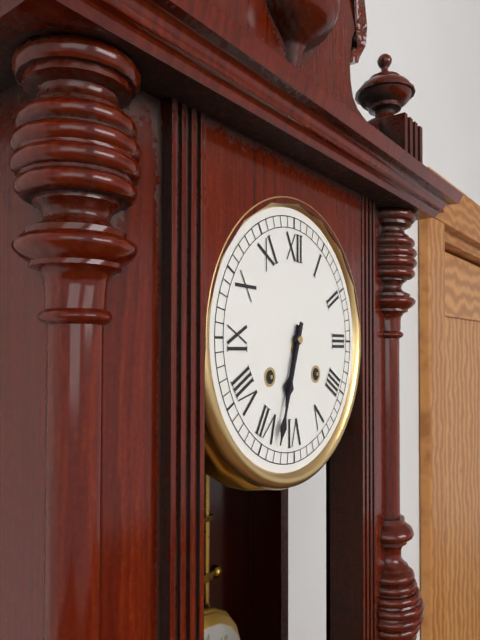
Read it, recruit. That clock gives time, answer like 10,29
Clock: 6,33
